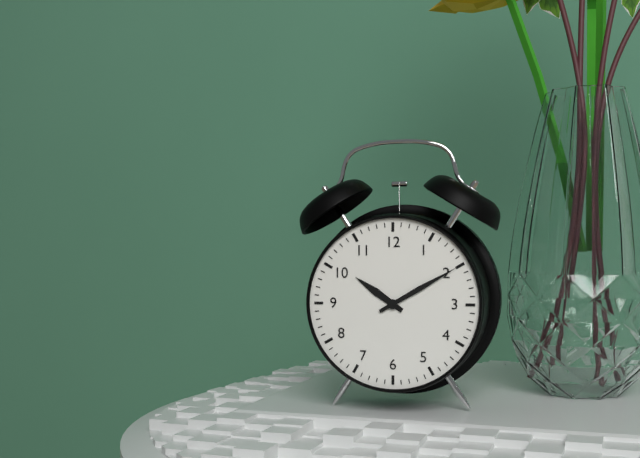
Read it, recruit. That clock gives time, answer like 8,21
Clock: 10,10
